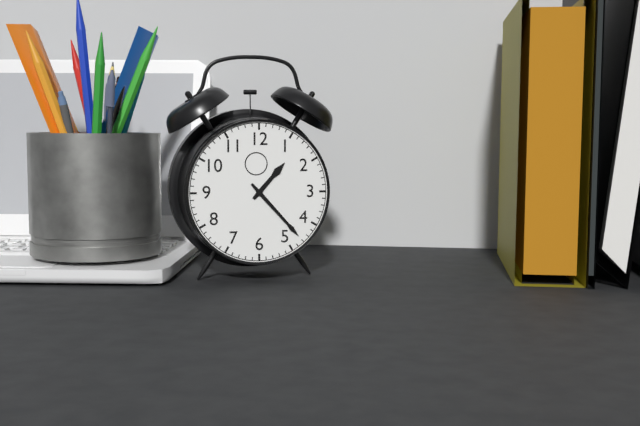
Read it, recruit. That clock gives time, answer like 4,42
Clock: 1,23
